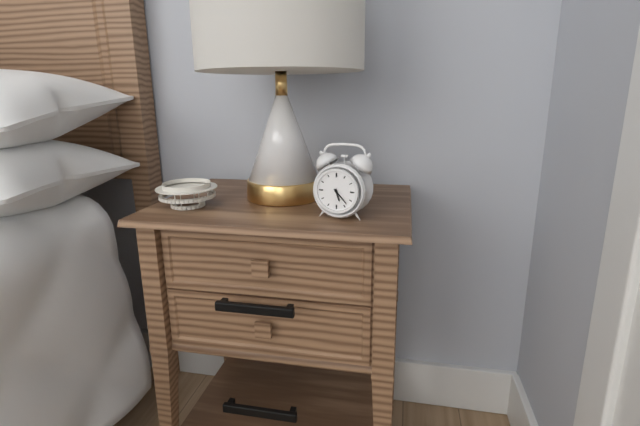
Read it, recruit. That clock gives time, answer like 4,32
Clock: 5,23
